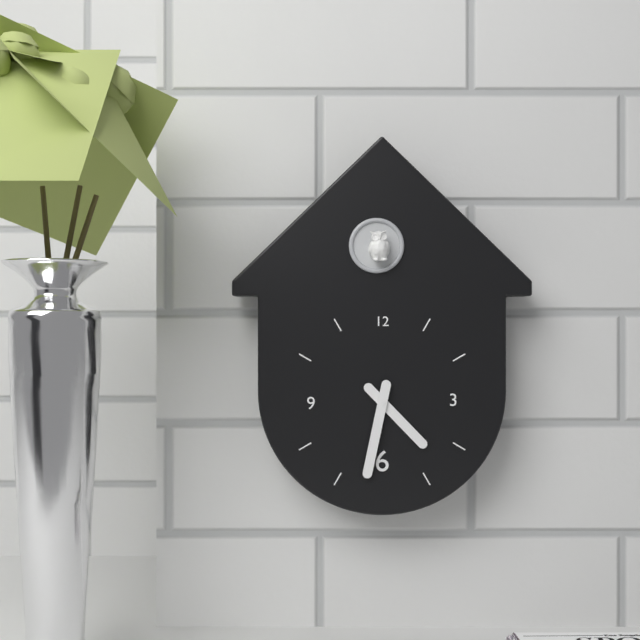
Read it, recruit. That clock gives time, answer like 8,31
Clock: 4,32
